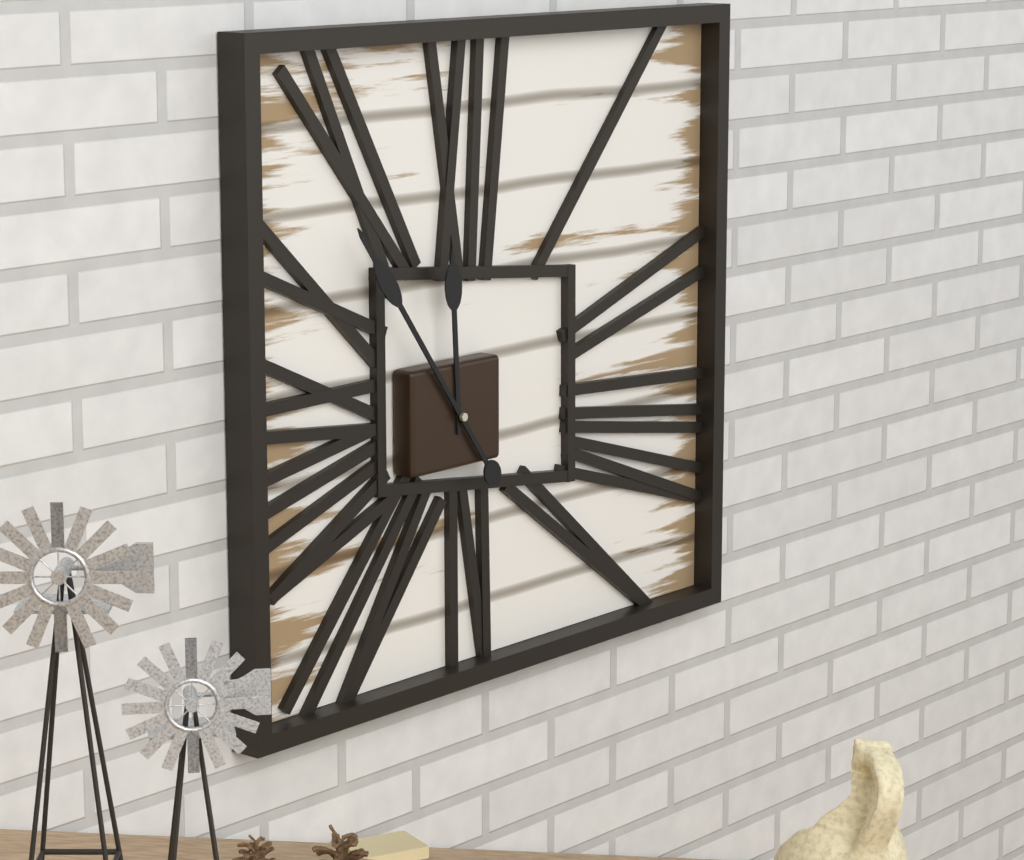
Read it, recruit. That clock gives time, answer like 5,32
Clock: 11,54
